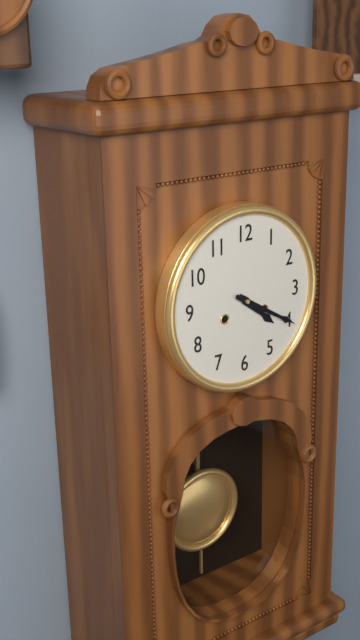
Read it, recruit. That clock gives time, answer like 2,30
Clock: 4,20
